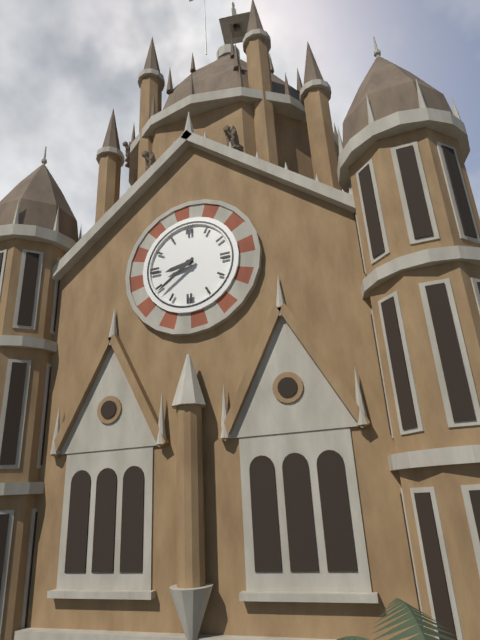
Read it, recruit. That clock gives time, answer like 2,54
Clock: 8,39
